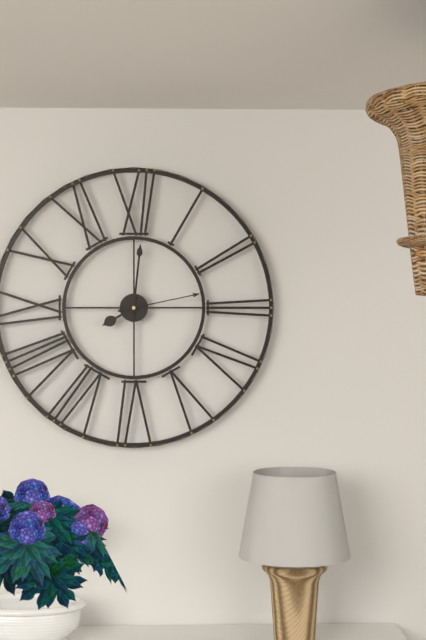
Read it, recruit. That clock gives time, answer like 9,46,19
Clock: 8,01,13
